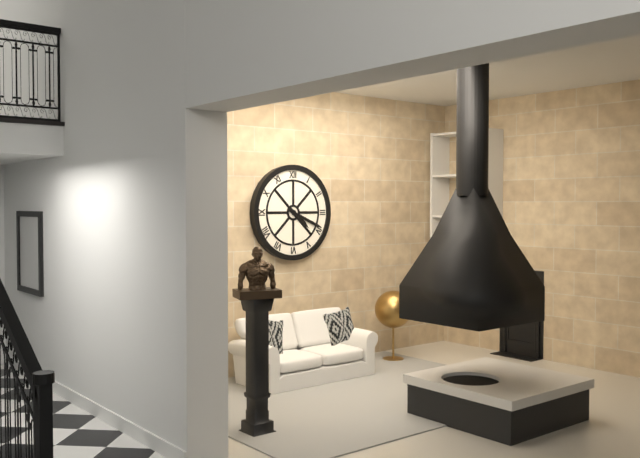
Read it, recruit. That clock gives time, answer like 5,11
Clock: 4,19
